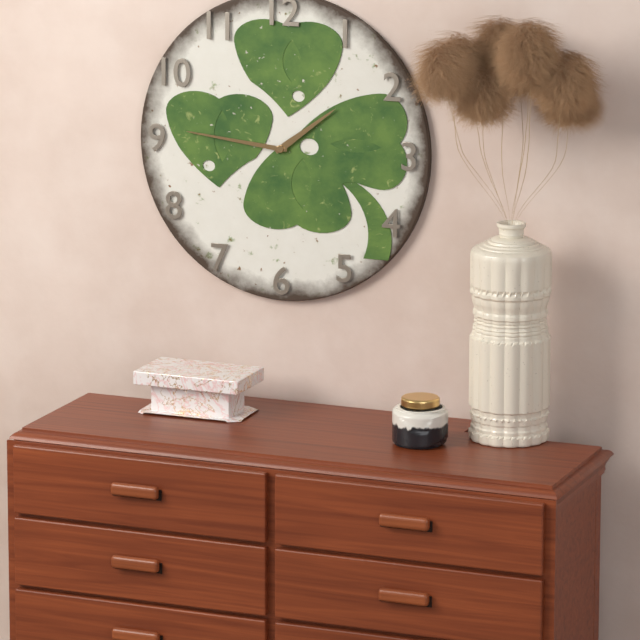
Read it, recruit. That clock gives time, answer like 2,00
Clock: 1,46
